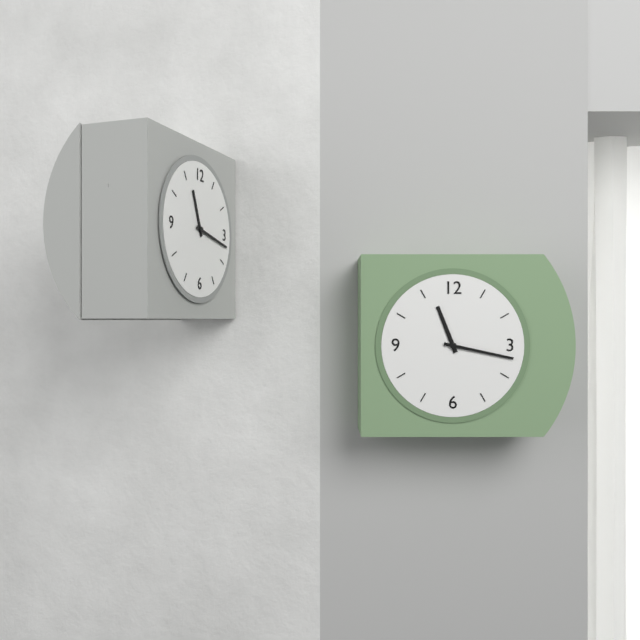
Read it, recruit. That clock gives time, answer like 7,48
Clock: 11,17
